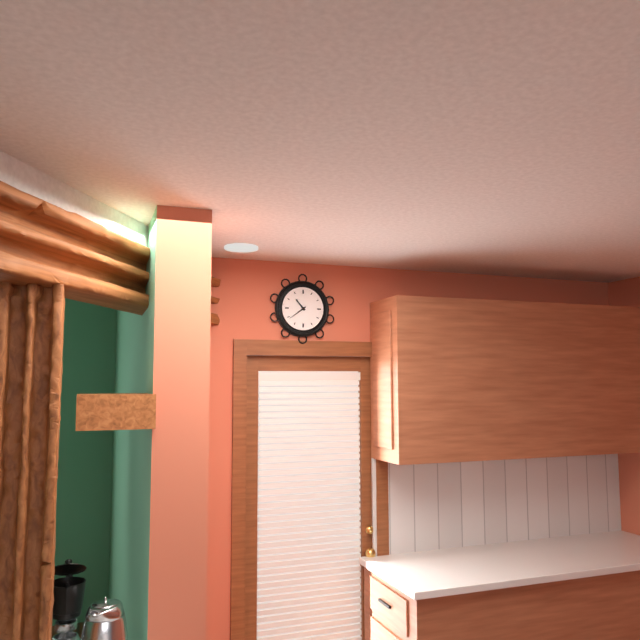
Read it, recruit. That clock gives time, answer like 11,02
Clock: 10,39
